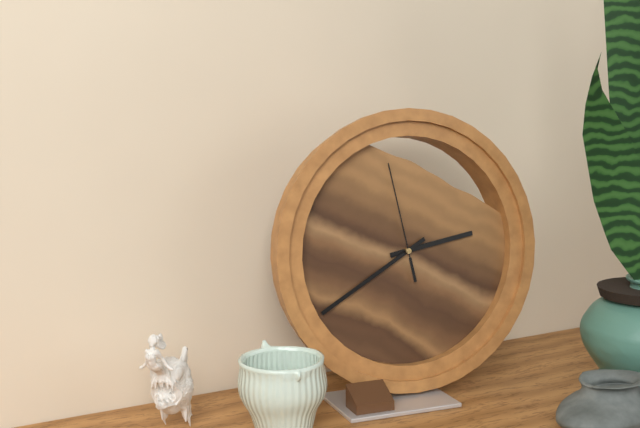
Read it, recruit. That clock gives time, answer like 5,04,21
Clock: 2,40,58
